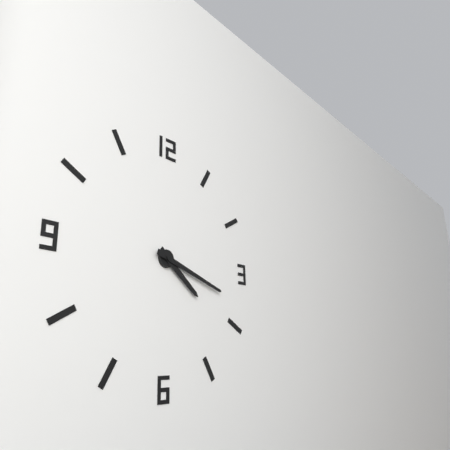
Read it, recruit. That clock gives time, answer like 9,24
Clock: 4,18
